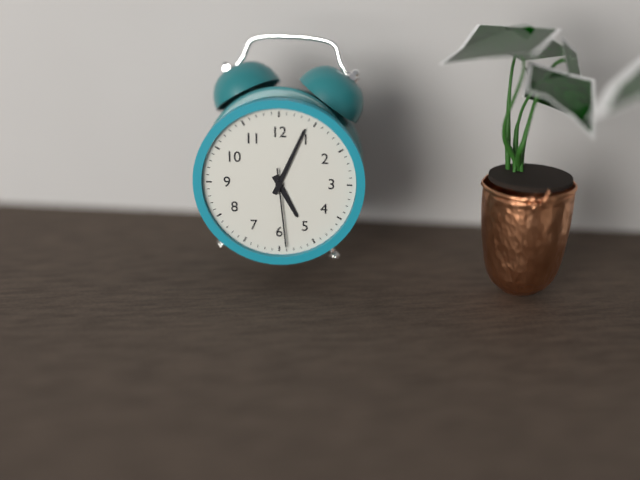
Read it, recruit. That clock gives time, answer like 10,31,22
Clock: 5,04,29
